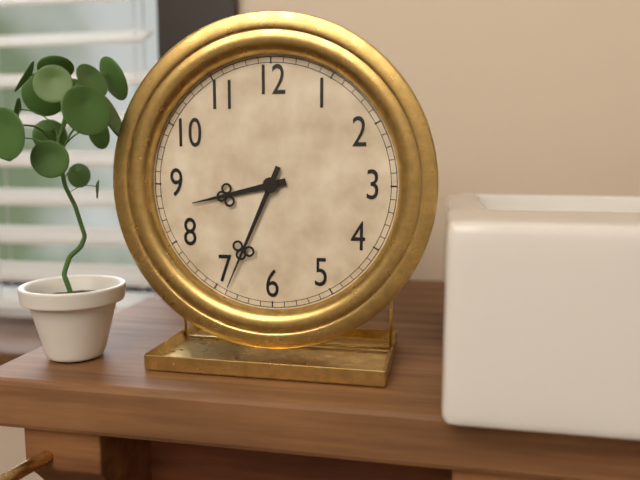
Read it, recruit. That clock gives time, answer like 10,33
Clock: 8,34
